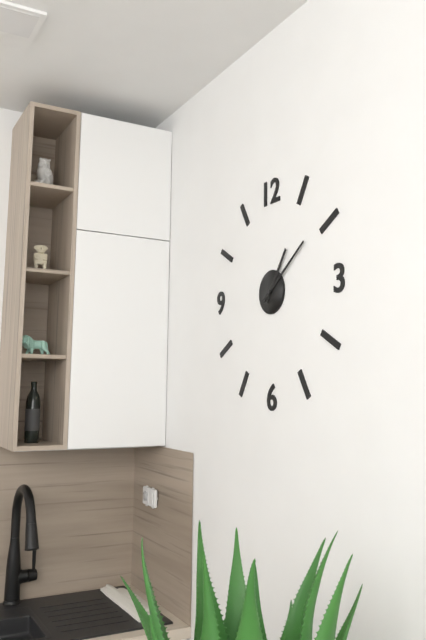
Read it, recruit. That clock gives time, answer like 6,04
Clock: 1,09
